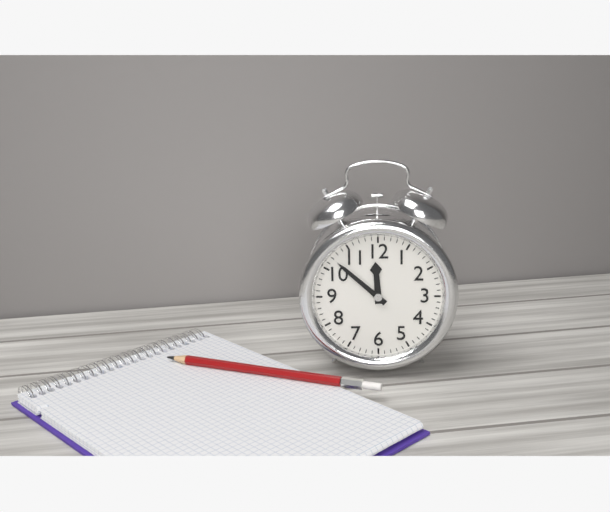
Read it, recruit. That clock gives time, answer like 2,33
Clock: 11,52
